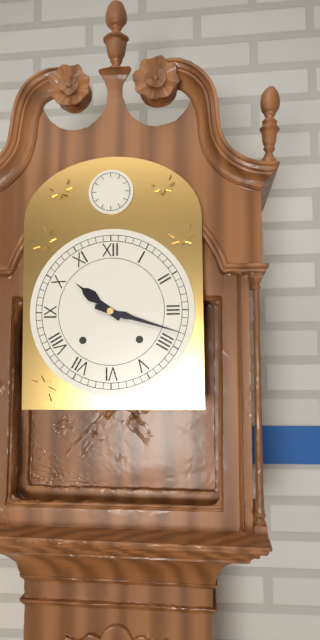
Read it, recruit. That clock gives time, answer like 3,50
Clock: 10,18
